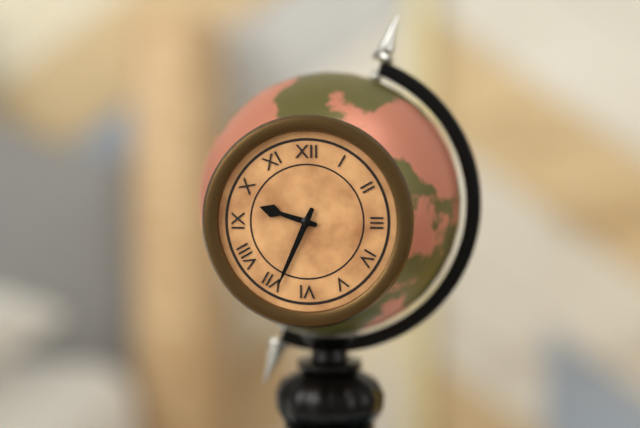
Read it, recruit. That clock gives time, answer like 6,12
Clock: 9,34
